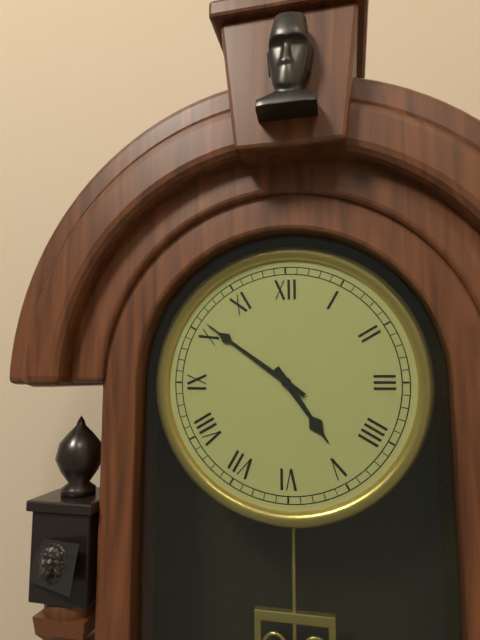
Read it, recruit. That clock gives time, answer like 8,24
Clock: 4,51
